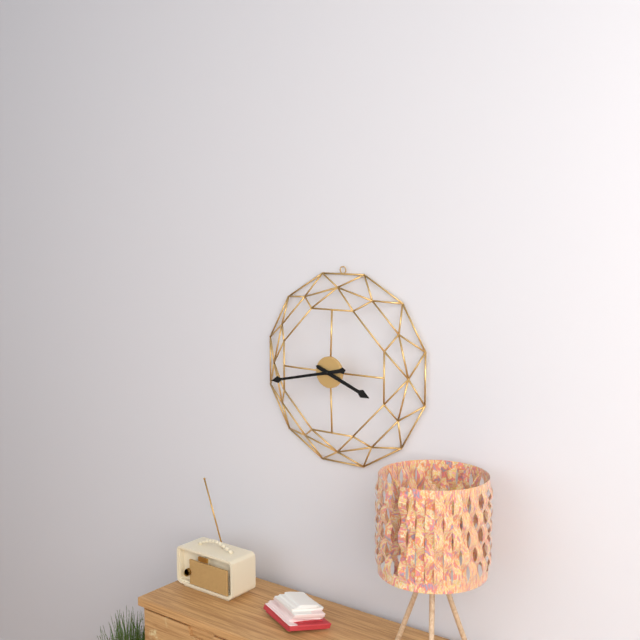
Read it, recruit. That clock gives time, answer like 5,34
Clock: 3,43
